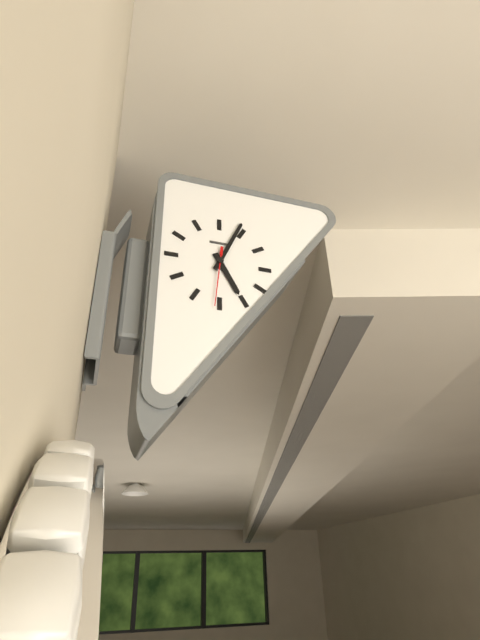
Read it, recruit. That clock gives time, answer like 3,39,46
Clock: 5,04,31
